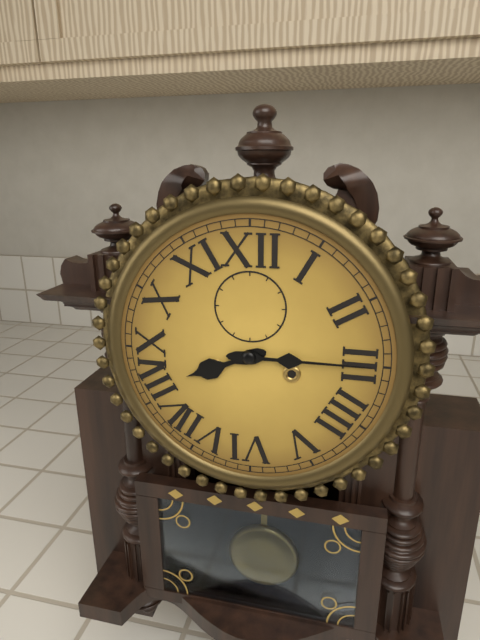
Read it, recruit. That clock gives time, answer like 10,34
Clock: 8,15
